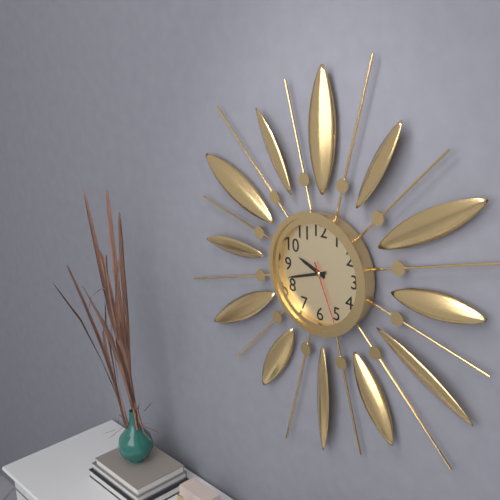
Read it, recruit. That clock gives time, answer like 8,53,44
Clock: 9,42,26
